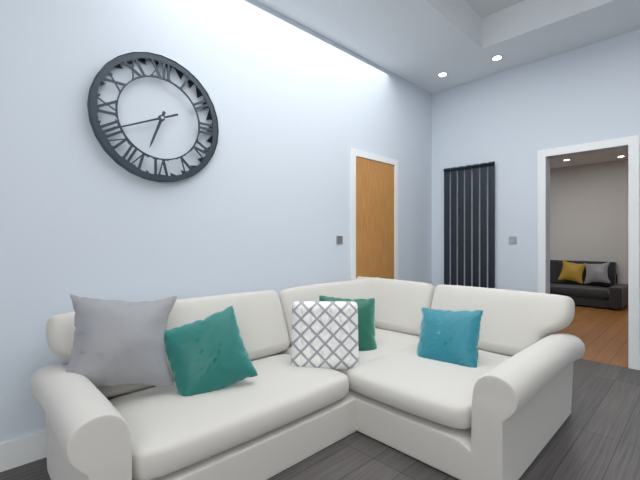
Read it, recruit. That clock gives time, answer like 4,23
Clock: 6,41
